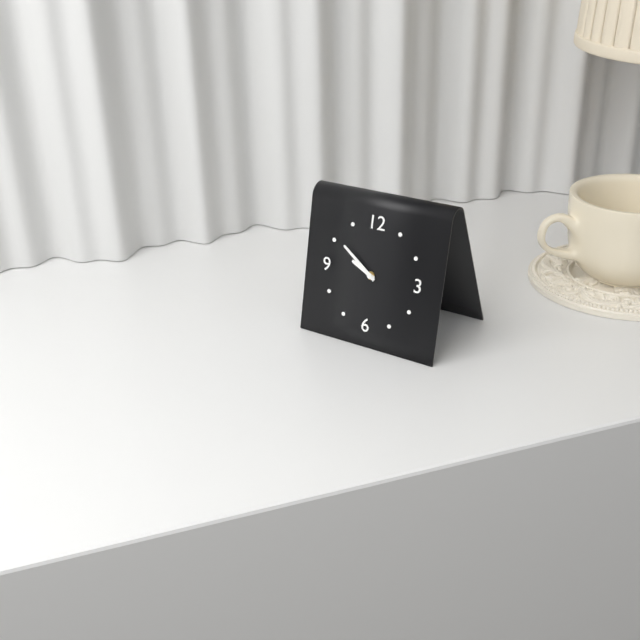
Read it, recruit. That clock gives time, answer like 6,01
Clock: 9,51
